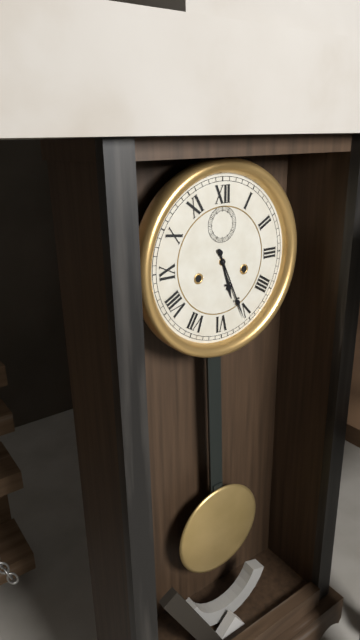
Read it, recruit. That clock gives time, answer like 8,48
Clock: 5,26
